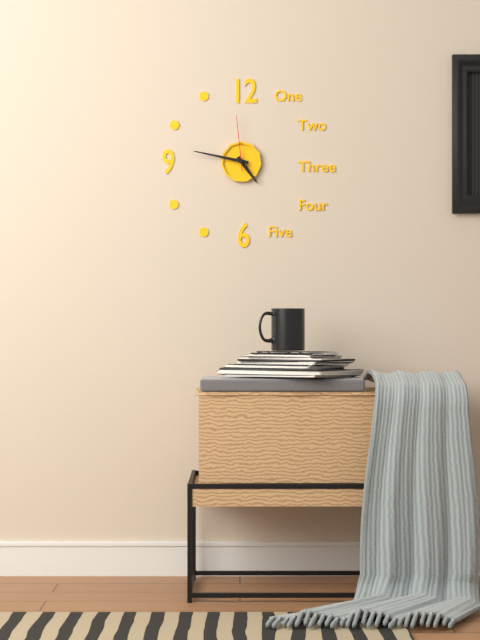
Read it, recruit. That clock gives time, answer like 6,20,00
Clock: 4,47,59
